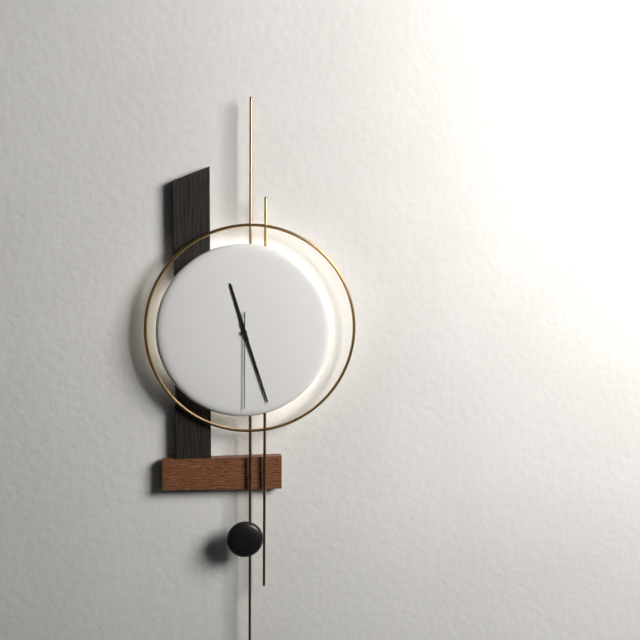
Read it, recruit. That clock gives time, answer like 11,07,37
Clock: 11,27,30
